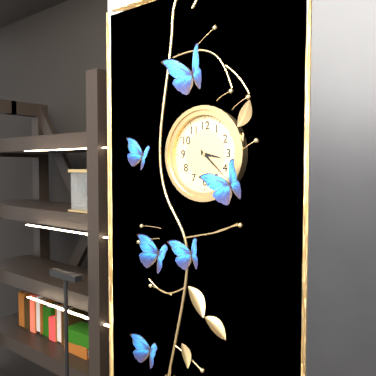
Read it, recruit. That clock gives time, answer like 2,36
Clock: 3,22
